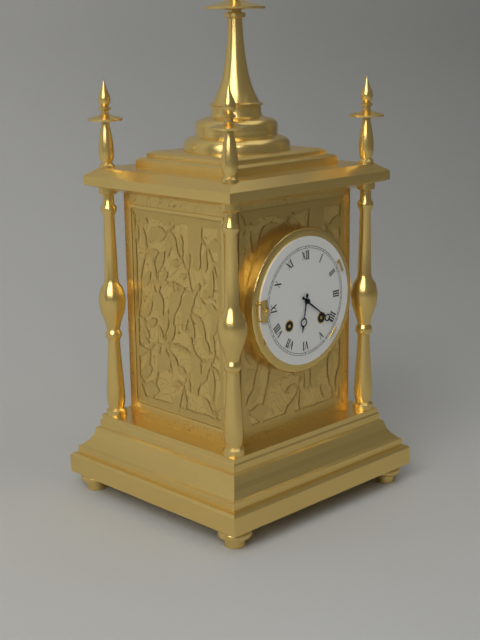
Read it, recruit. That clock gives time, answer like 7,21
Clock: 6,21
